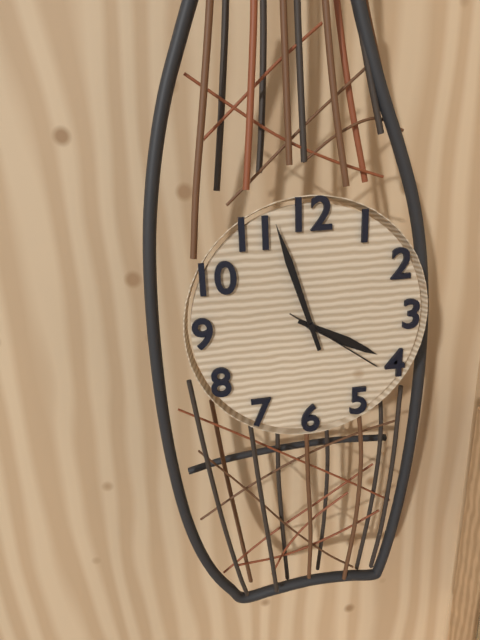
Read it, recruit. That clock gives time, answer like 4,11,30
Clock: 3,57,21
